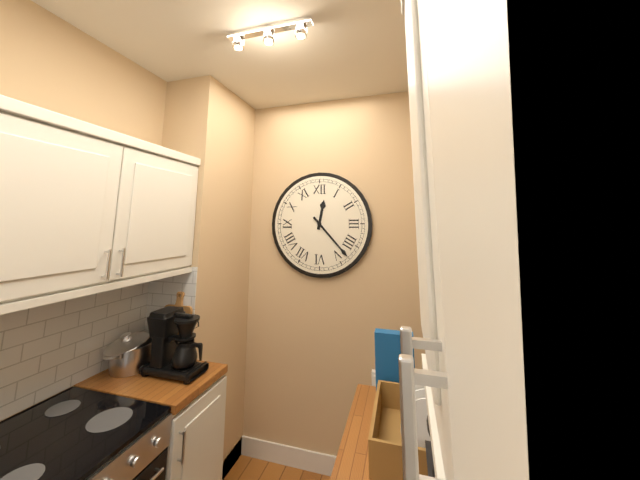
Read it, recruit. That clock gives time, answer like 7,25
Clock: 12,23
